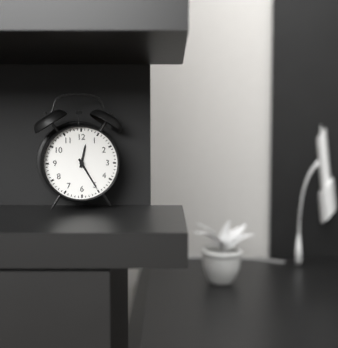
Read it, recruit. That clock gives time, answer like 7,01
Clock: 12,25
